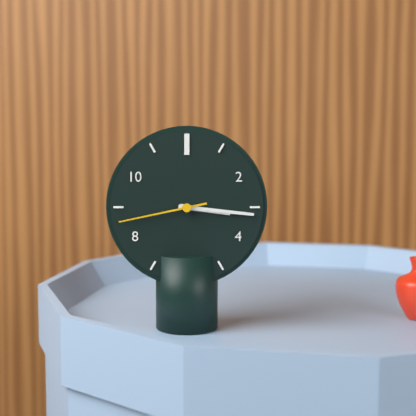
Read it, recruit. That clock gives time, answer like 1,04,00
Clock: 3,16,43
